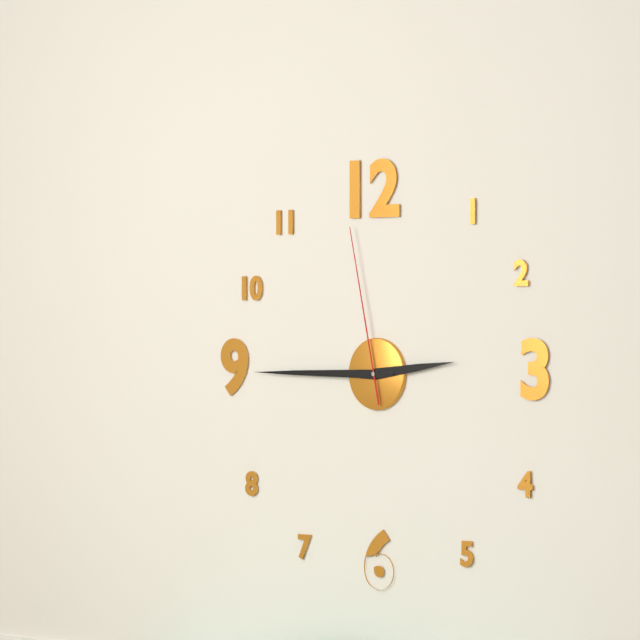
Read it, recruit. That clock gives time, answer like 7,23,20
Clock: 2,45,58
